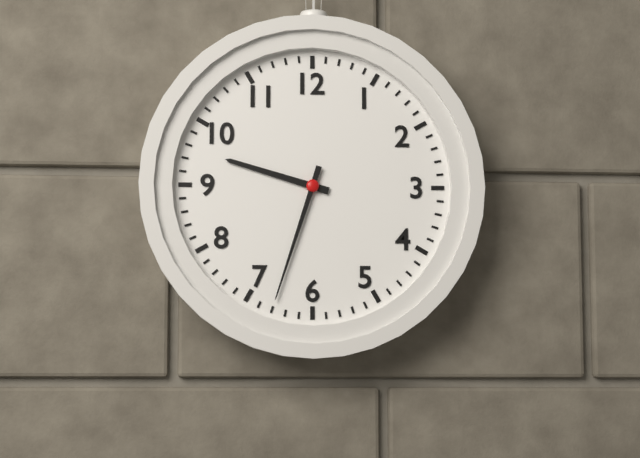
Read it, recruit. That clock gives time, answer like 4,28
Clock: 9,33
